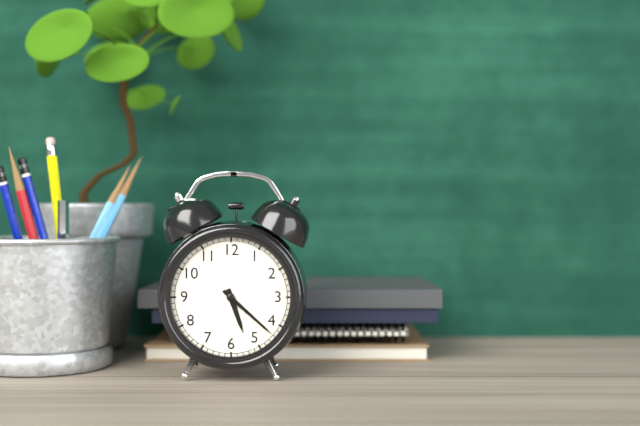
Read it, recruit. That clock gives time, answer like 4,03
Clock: 5,22
